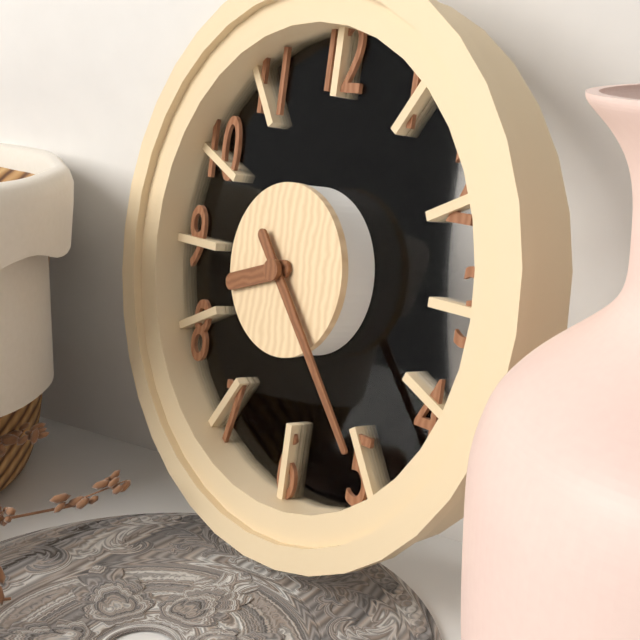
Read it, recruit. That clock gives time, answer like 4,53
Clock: 8,23
